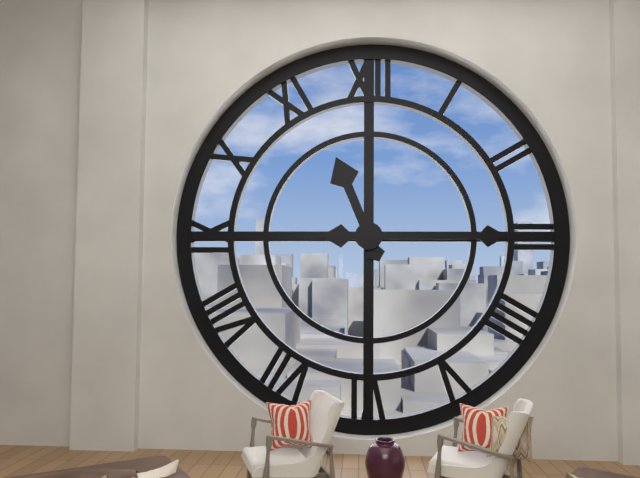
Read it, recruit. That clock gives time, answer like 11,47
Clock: 11,15
